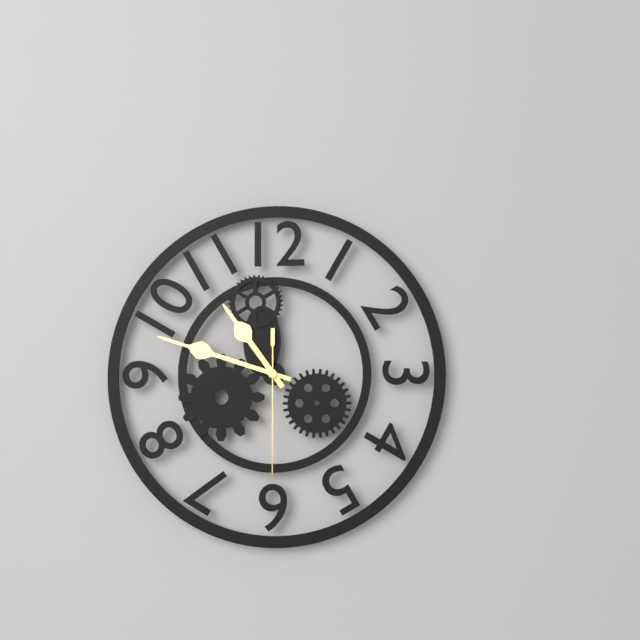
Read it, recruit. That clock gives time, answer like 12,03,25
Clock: 10,48,30
